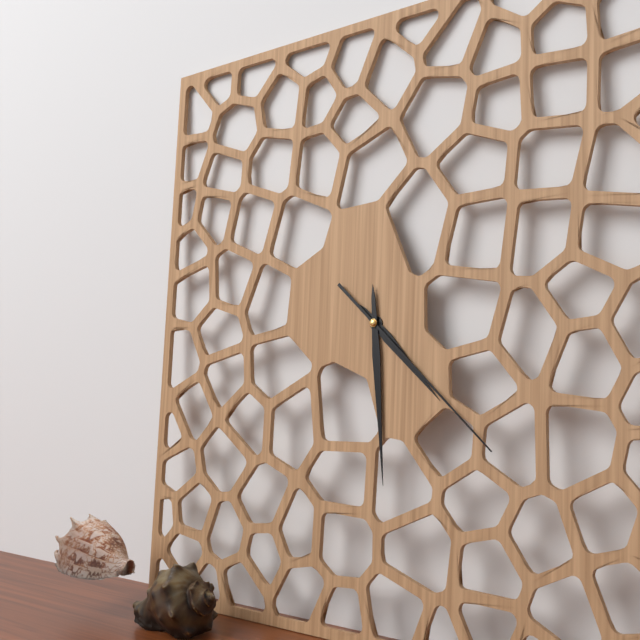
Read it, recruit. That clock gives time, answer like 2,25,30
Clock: 4,29,22
